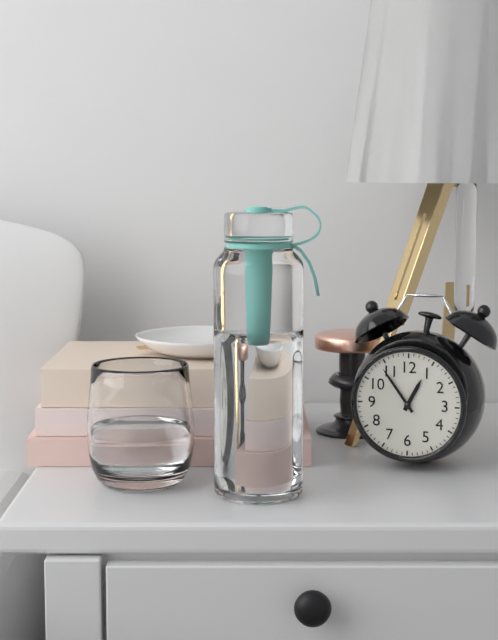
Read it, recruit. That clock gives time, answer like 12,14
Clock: 12,54
